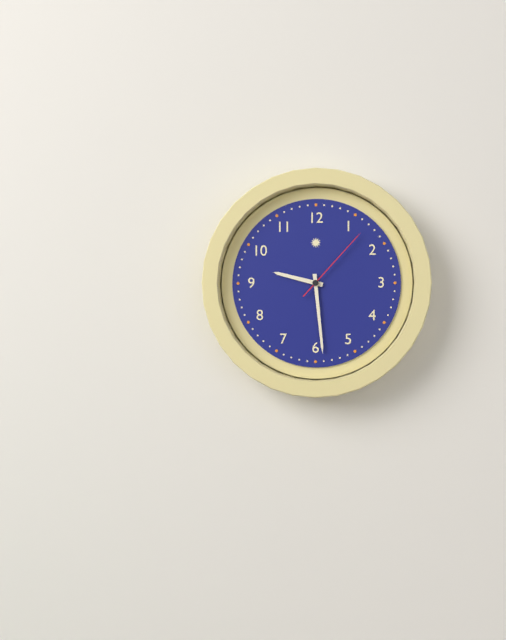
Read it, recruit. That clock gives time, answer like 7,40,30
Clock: 9,29,07
